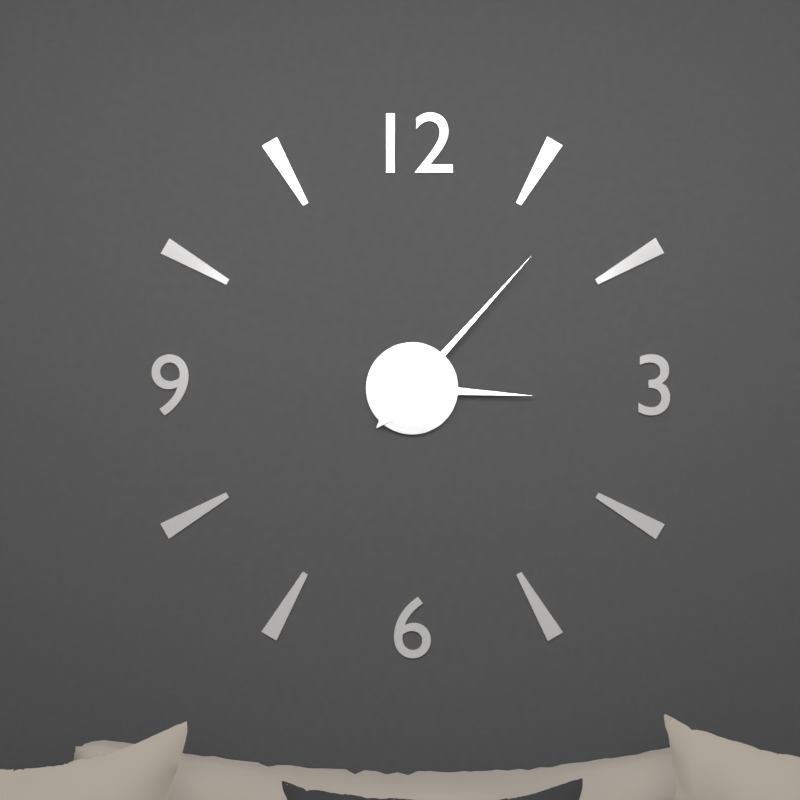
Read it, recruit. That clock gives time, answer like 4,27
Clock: 3,07
